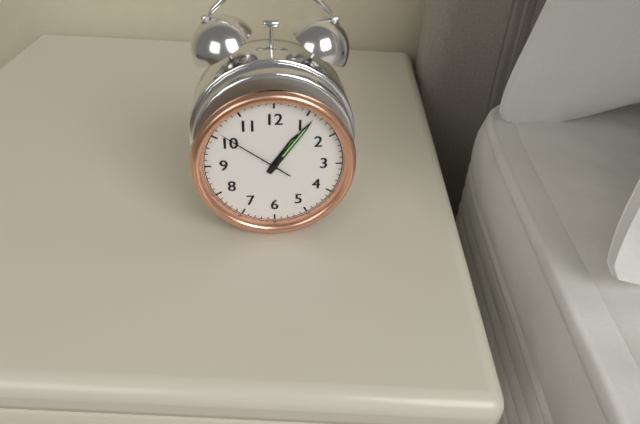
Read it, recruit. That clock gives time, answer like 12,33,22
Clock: 1,06,51
